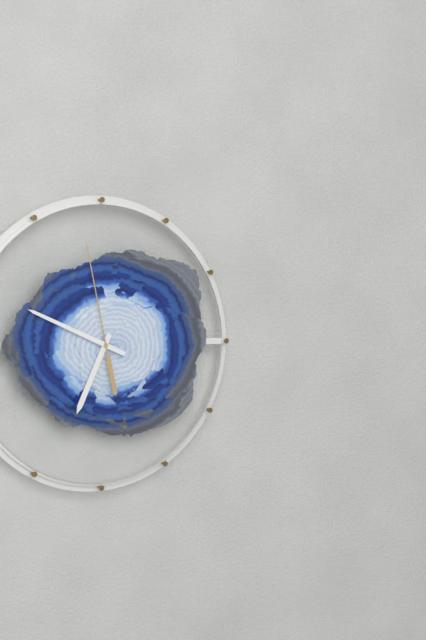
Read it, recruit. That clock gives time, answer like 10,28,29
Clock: 6,49,58
